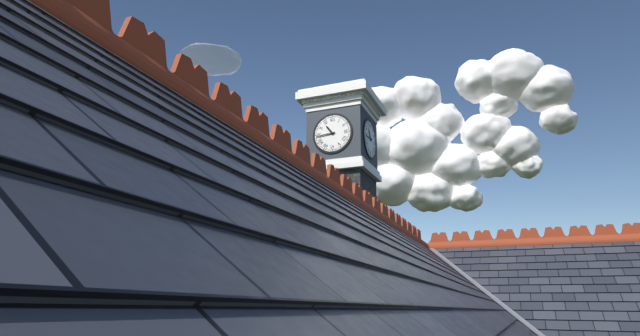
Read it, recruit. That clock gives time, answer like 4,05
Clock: 10,44
